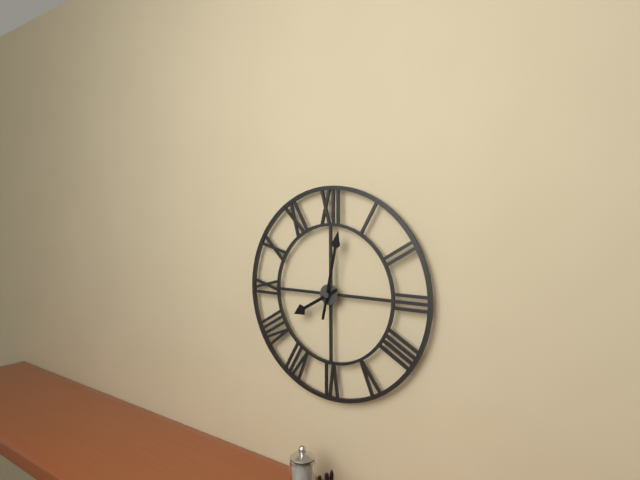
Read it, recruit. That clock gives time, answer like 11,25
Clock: 8,02
